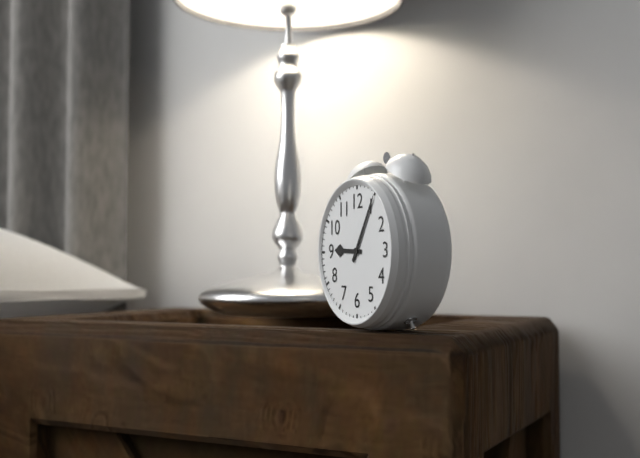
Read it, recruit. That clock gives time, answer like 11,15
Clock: 9,05
